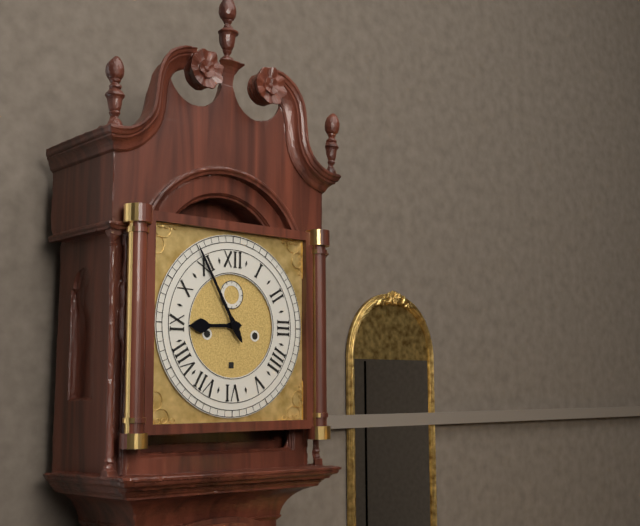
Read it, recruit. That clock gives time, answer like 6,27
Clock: 8,55
